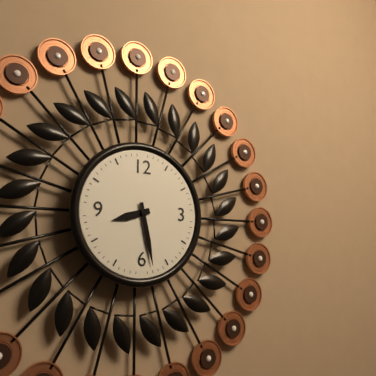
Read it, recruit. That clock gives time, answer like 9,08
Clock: 8,28
